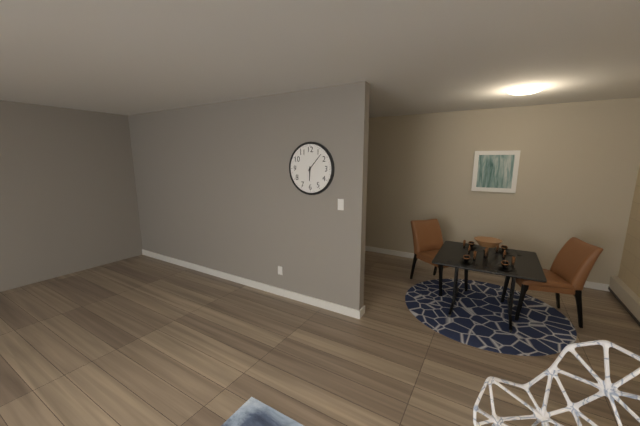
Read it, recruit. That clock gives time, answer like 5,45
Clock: 6,07
